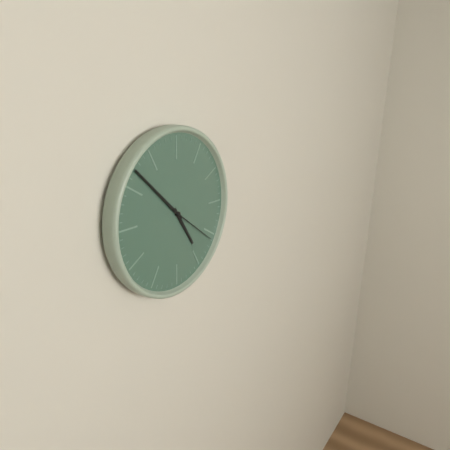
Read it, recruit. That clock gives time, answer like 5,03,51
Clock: 4,52,21
